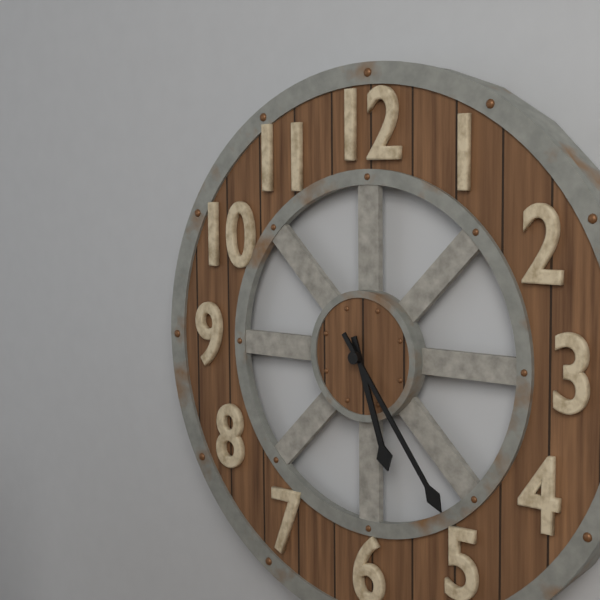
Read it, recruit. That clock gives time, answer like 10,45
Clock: 5,24
